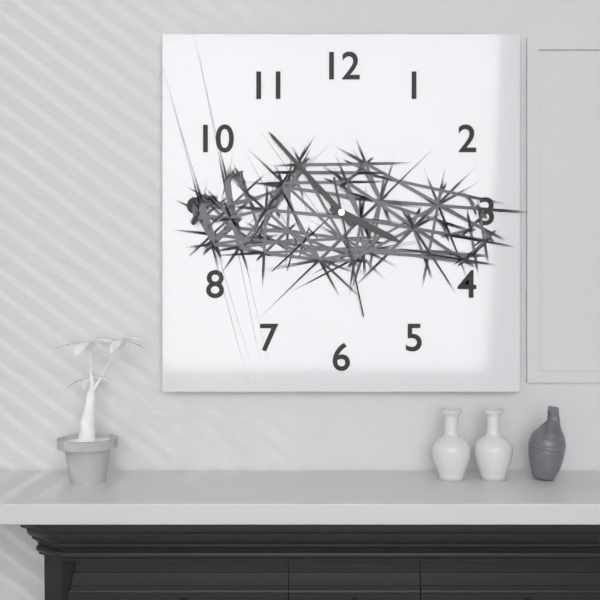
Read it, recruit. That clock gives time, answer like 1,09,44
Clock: 3,53,28
